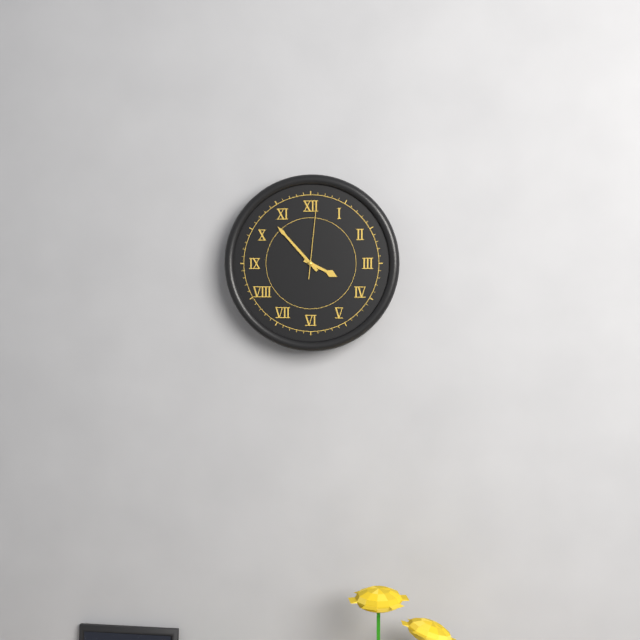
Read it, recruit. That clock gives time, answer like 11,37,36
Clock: 3,53,01
